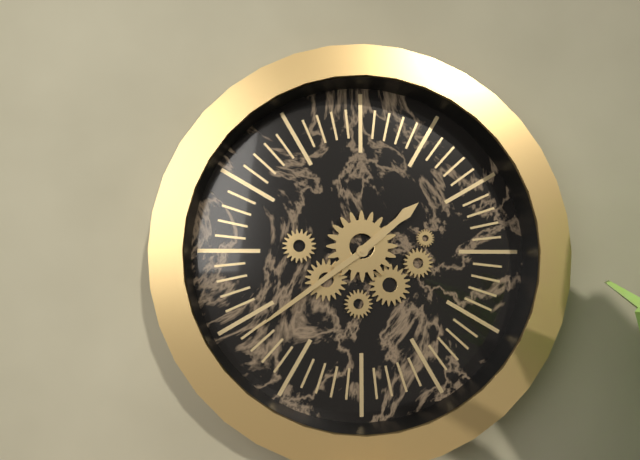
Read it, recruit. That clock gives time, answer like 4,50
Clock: 1,39
